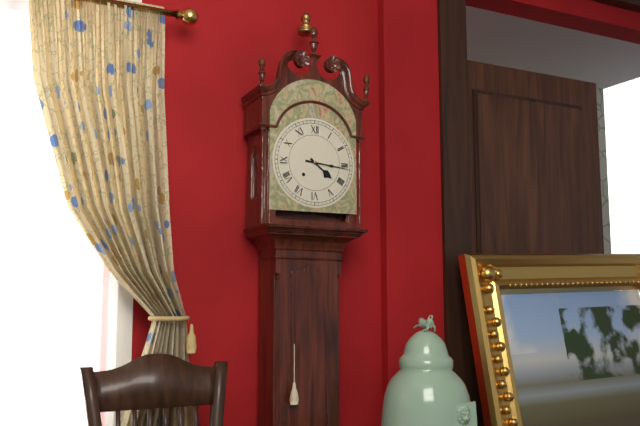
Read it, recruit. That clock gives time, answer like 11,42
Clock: 4,16
